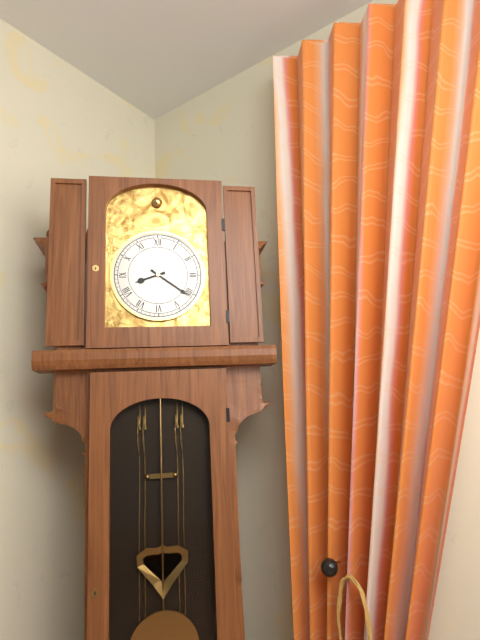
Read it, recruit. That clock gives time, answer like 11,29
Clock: 8,21
